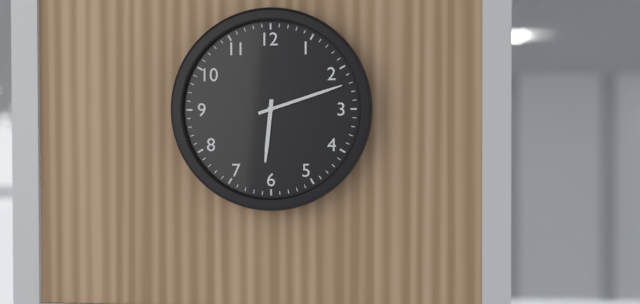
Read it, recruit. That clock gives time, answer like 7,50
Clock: 6,12
